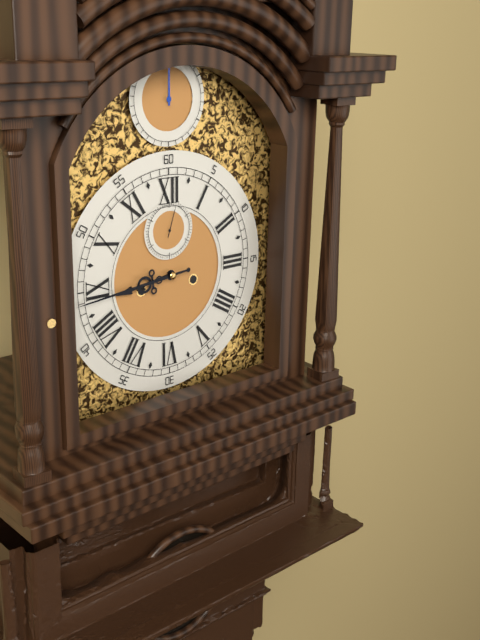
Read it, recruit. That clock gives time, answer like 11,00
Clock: 8,44
